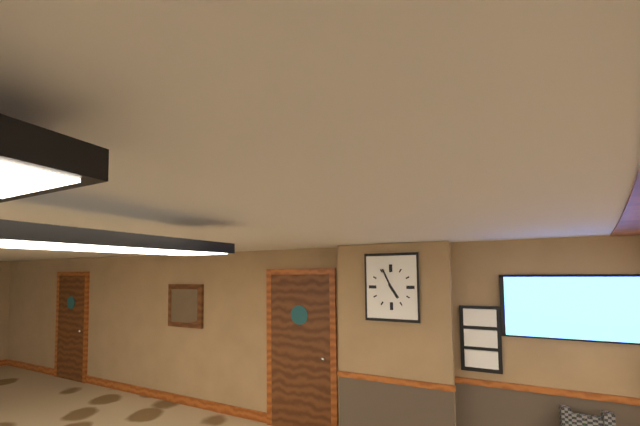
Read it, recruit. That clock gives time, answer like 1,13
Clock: 4,56
